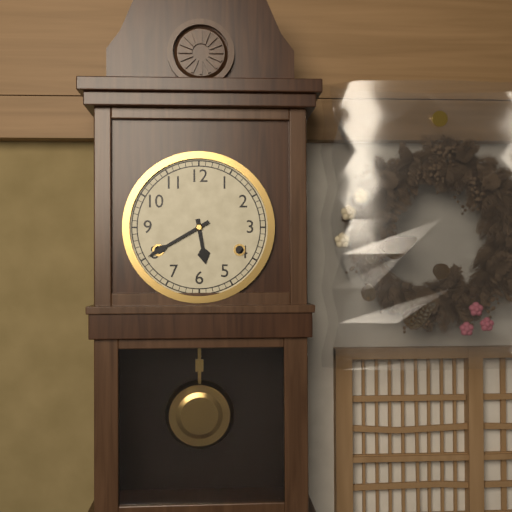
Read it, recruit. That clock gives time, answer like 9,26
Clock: 5,40
